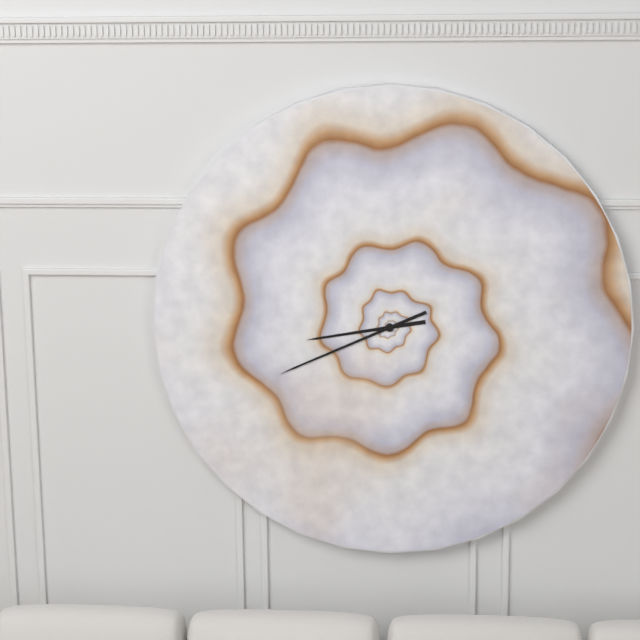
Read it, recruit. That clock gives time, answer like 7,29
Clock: 8,41
